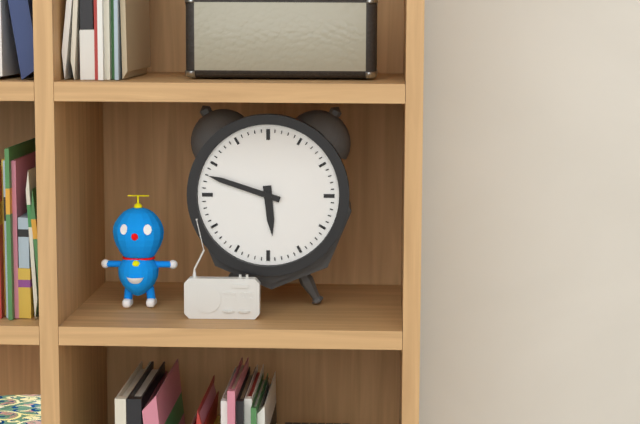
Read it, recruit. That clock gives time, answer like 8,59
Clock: 5,48
